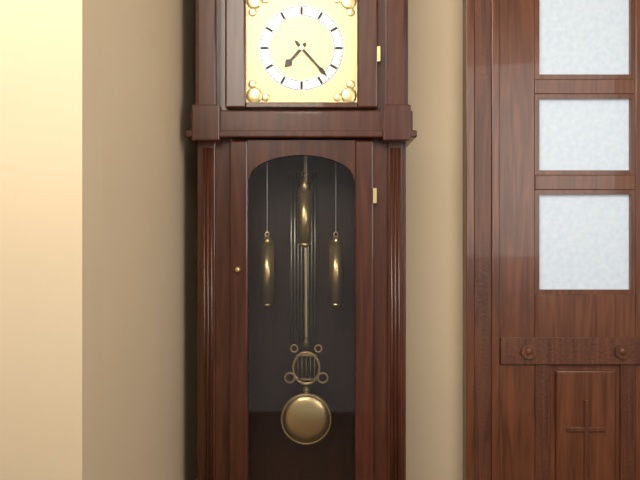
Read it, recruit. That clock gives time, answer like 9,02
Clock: 7,23
